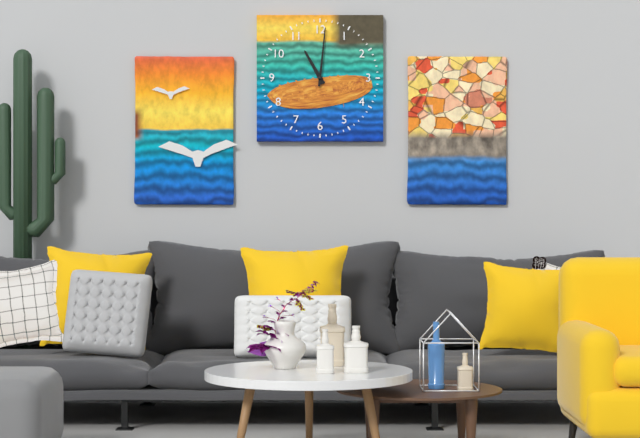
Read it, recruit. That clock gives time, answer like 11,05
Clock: 11,01
